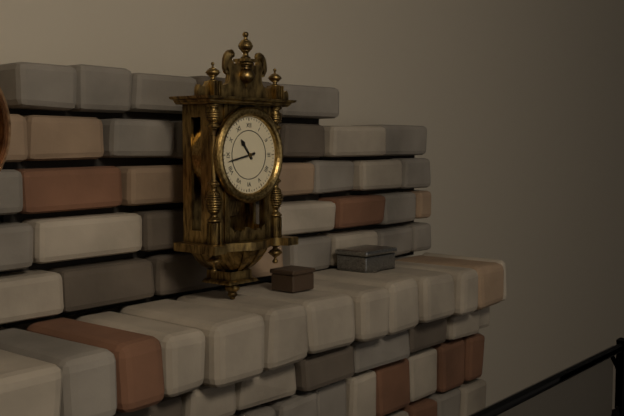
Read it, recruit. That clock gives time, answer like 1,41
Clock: 10,43
